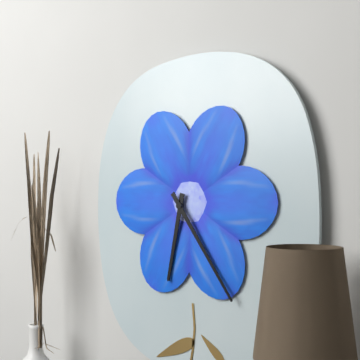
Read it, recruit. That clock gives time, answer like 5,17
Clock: 6,24
